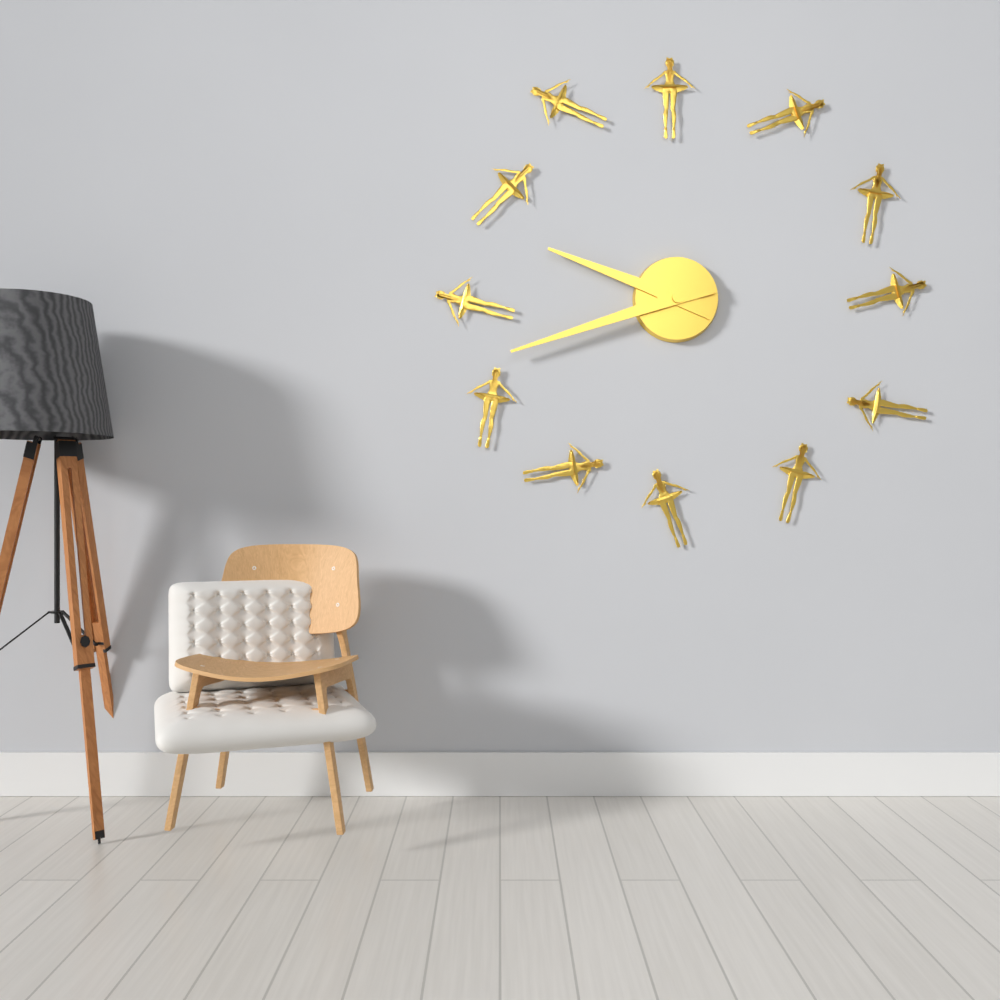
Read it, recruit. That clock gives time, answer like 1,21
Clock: 9,42
